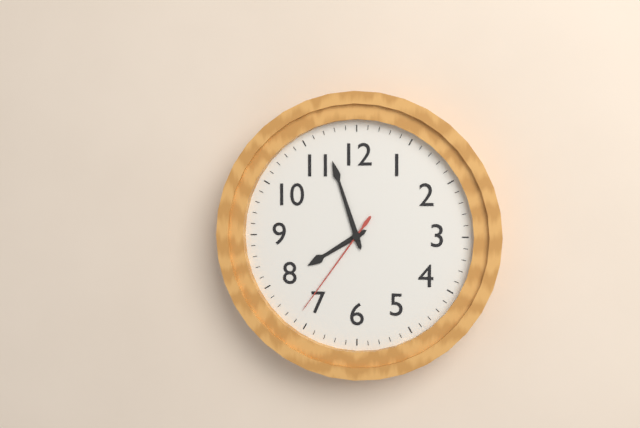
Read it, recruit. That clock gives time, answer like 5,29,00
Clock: 7,57,36
